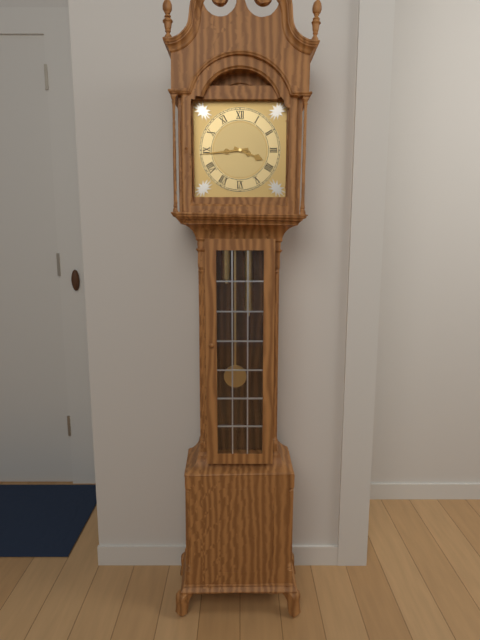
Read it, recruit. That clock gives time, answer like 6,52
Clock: 3,44
